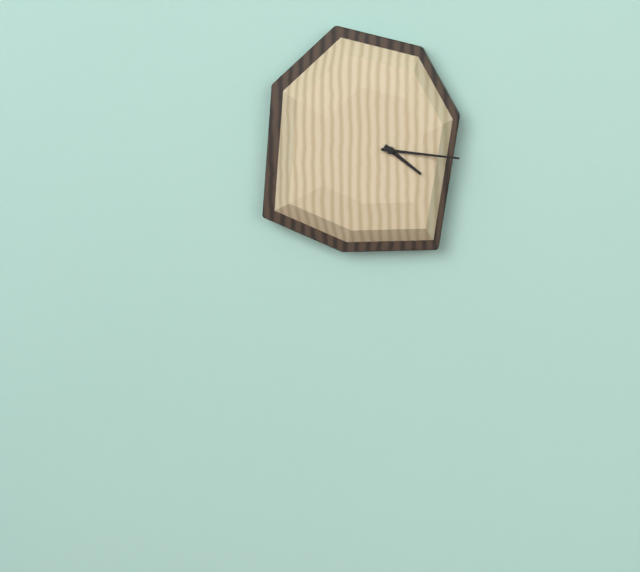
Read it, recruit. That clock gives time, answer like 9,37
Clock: 4,16
